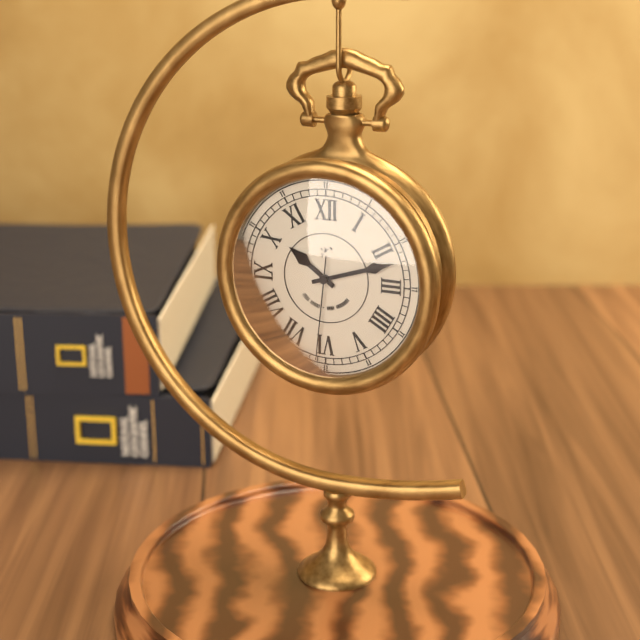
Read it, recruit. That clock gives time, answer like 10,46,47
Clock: 10,12,31
